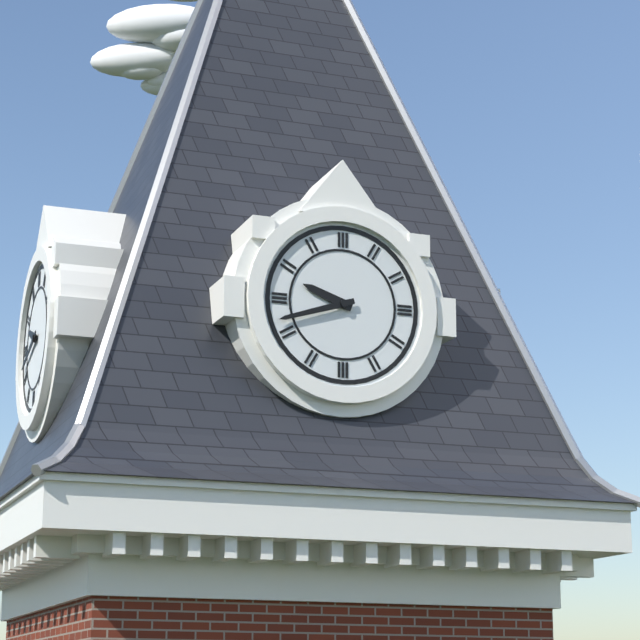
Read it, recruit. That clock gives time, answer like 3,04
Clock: 9,42
